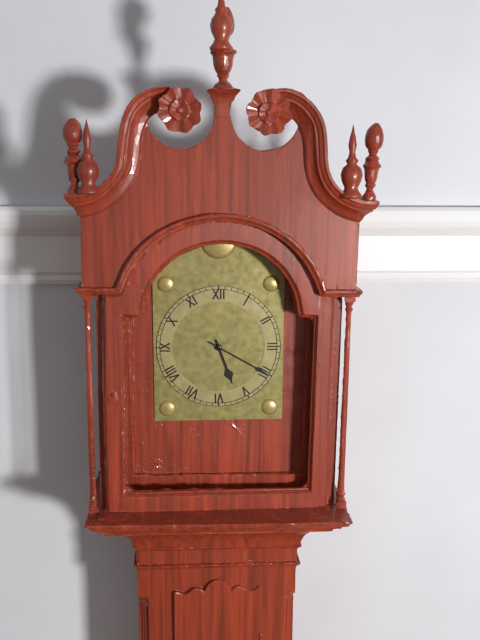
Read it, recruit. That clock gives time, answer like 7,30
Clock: 5,20
